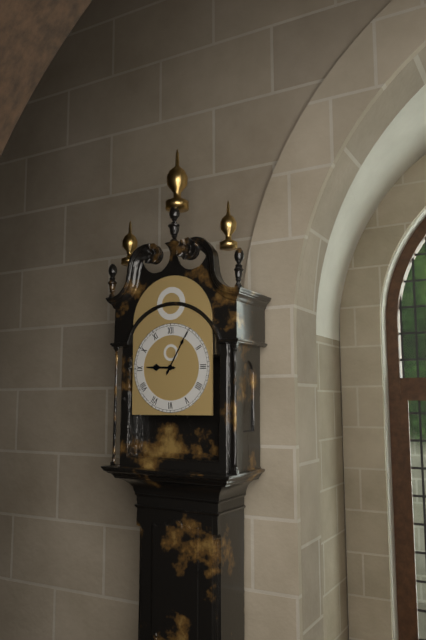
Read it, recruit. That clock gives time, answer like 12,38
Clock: 9,05
